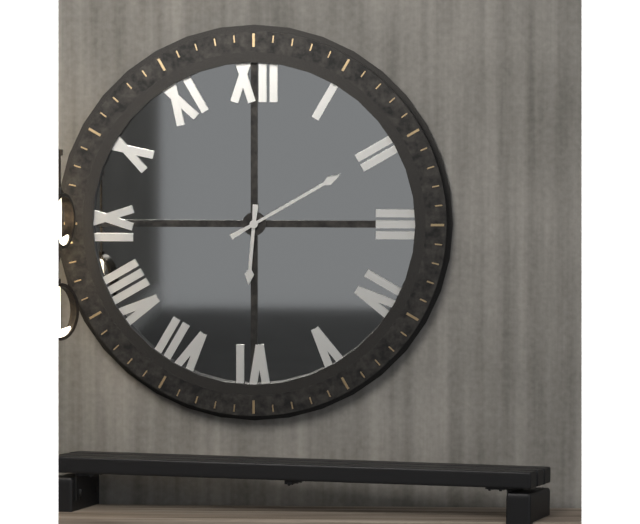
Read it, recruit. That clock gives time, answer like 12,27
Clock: 6,10
